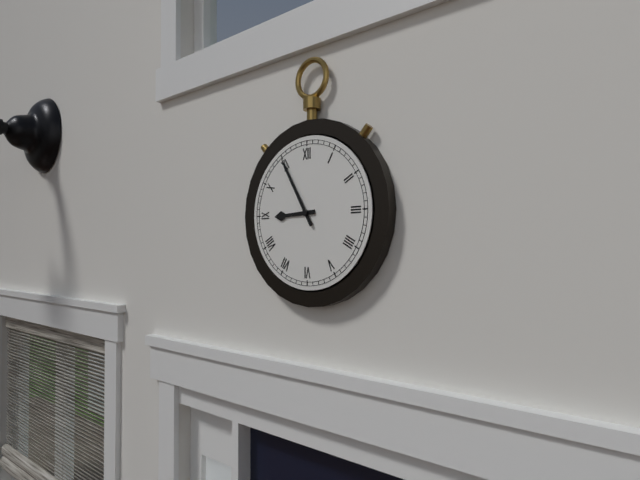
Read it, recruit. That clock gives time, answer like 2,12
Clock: 8,55
